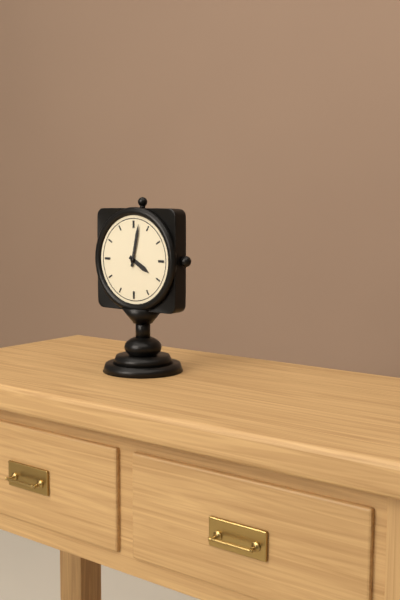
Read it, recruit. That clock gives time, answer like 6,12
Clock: 4,02
